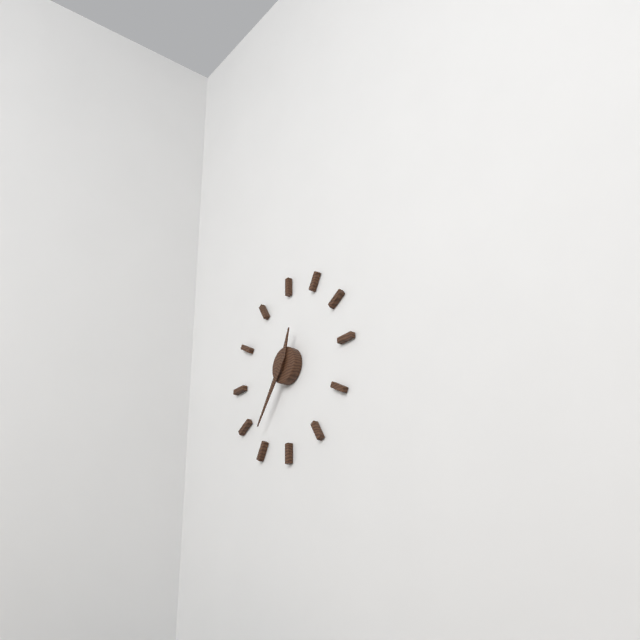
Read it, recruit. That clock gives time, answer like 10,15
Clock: 12,36
